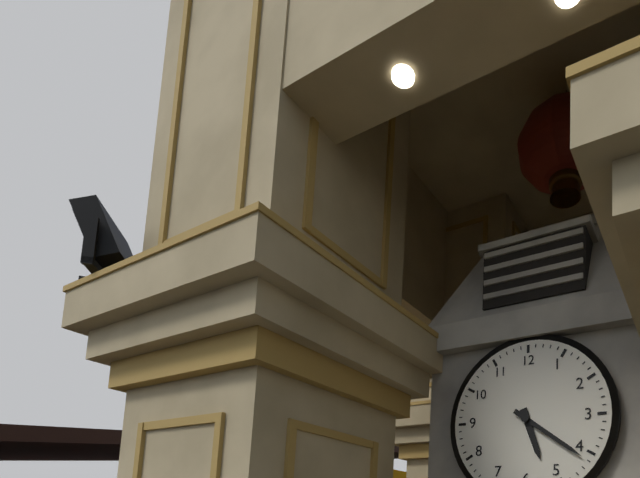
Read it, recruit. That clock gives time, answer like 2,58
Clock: 5,21
